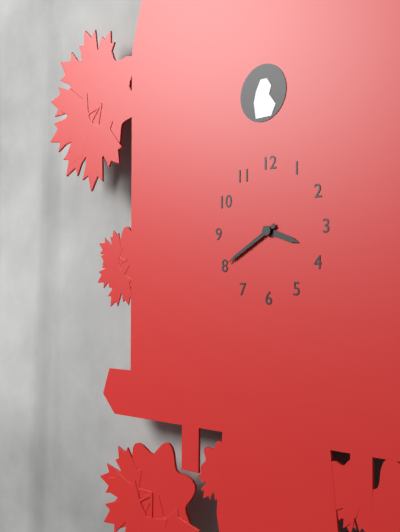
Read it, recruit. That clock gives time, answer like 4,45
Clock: 3,40
